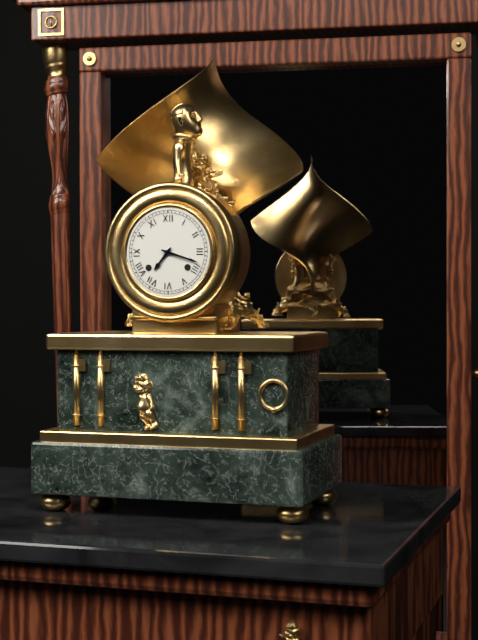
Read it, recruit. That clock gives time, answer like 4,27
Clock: 7,18
